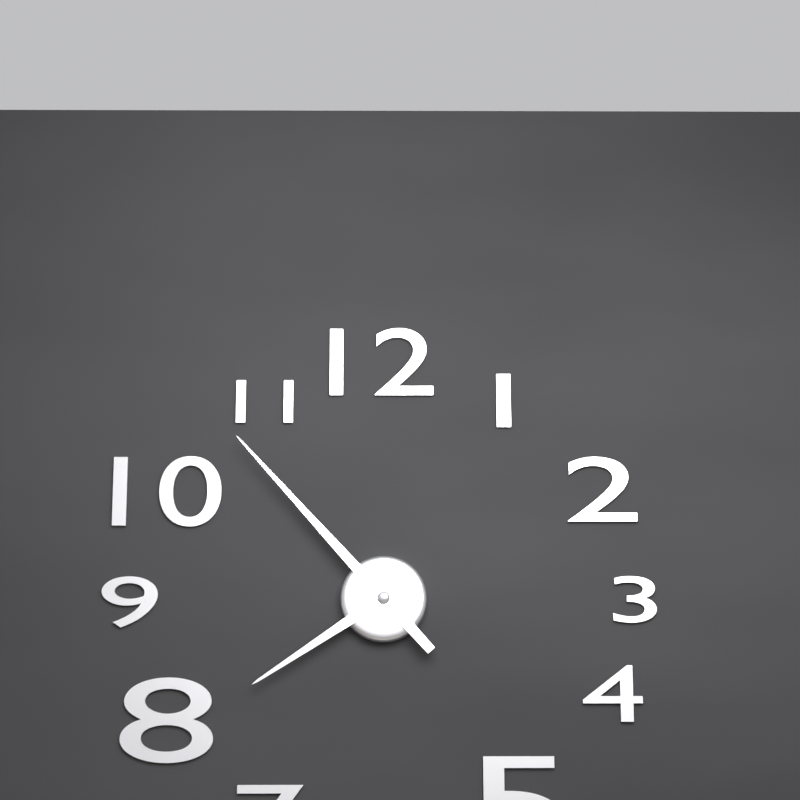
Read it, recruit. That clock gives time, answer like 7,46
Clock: 7,53
